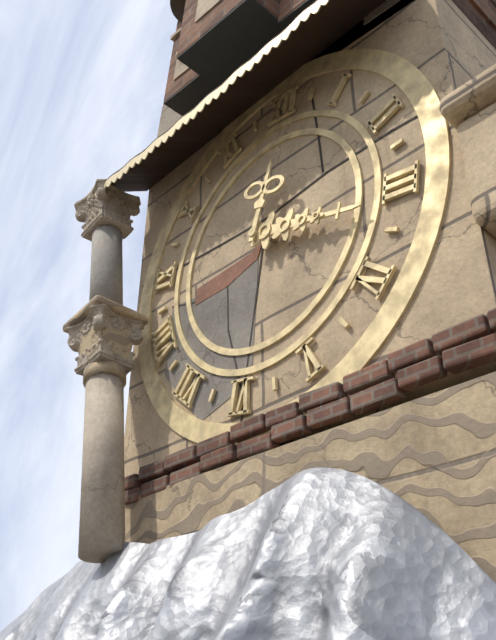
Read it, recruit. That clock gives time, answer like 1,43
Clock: 12,16
